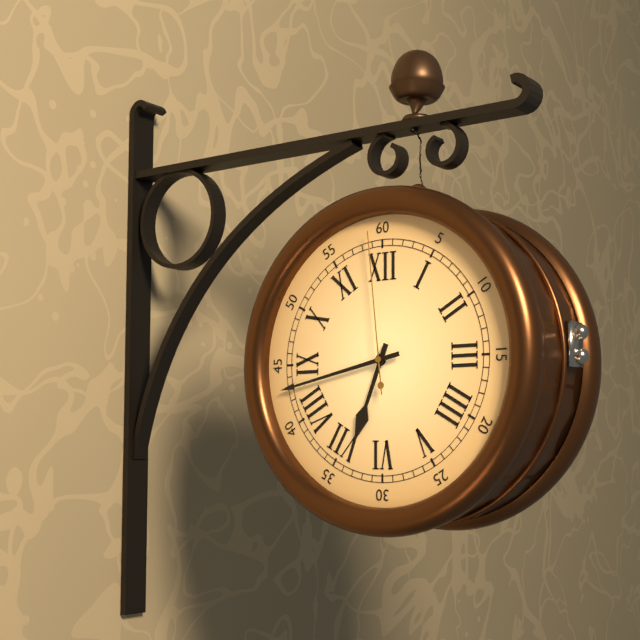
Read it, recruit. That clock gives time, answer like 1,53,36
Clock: 6,43,59
